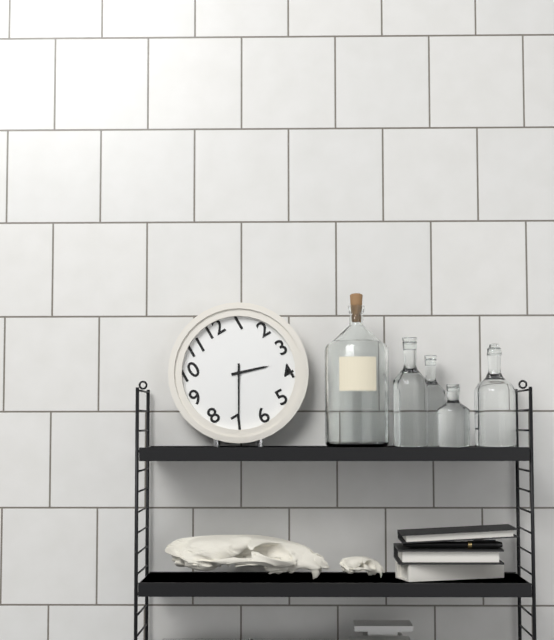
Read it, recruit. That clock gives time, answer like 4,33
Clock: 3,35
